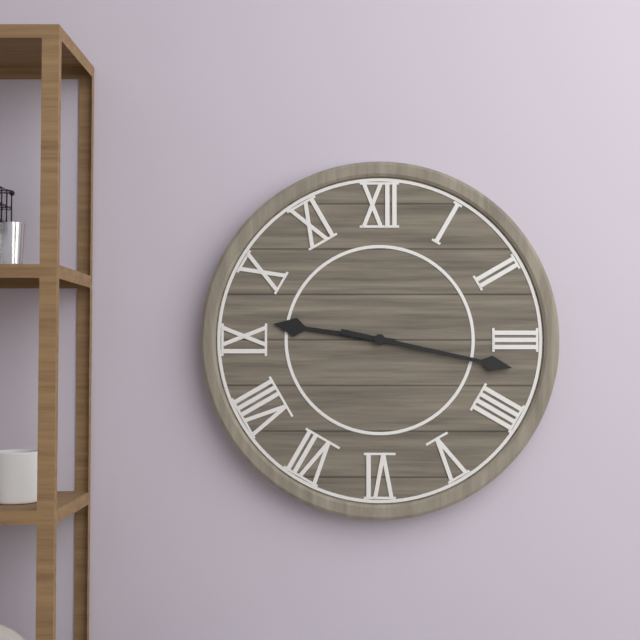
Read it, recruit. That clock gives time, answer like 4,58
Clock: 9,17
